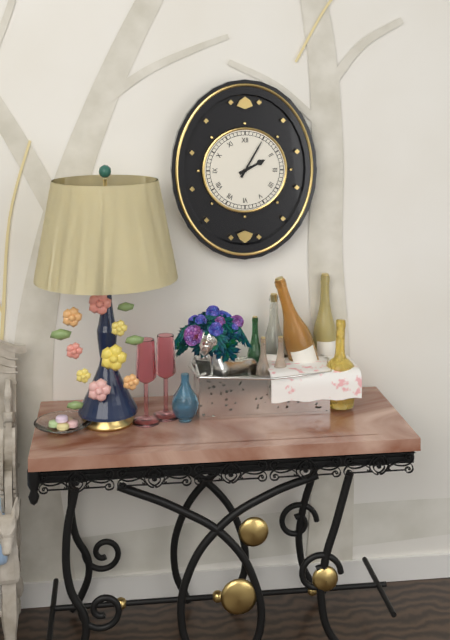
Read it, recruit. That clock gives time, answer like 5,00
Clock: 2,05
